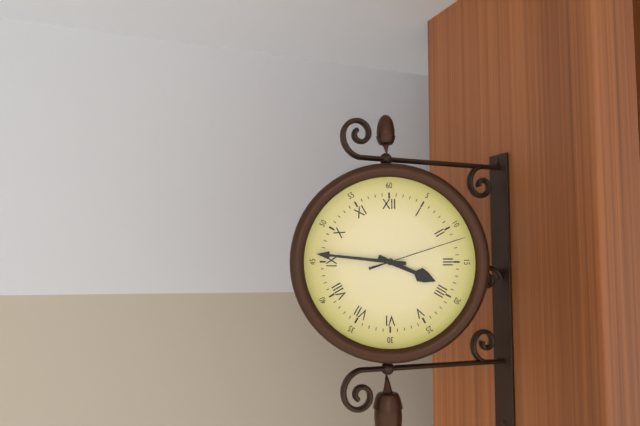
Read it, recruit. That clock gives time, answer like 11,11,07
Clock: 3,46,12
